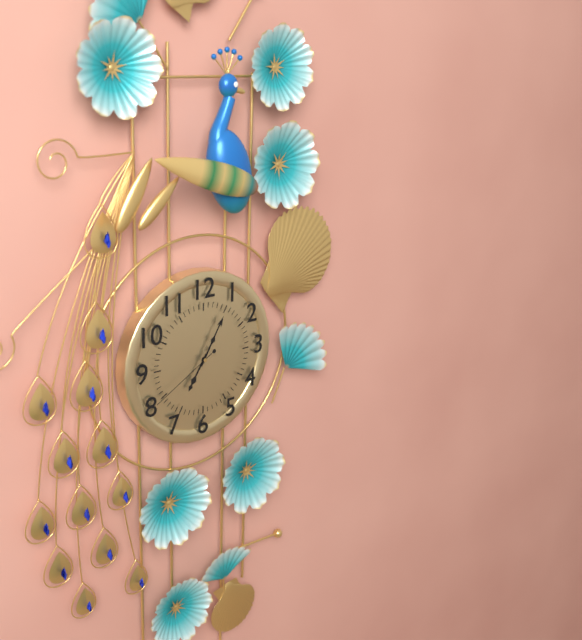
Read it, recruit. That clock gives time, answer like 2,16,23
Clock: 7,05,40
